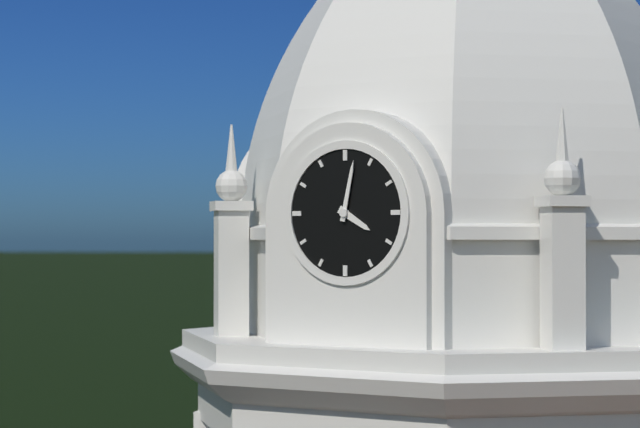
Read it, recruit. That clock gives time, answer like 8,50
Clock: 4,02
